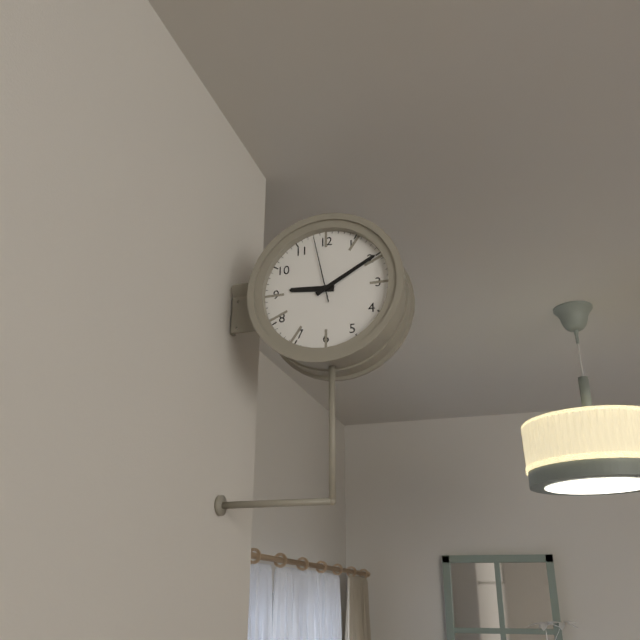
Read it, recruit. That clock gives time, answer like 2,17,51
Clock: 9,10,58
